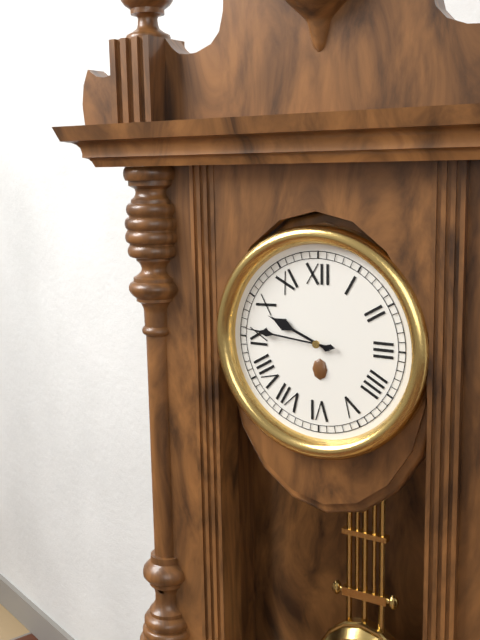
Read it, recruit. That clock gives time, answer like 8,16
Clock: 9,46
